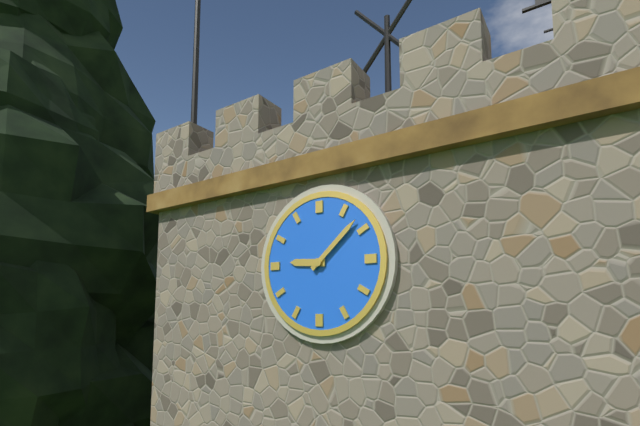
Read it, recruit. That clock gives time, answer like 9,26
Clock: 9,08
